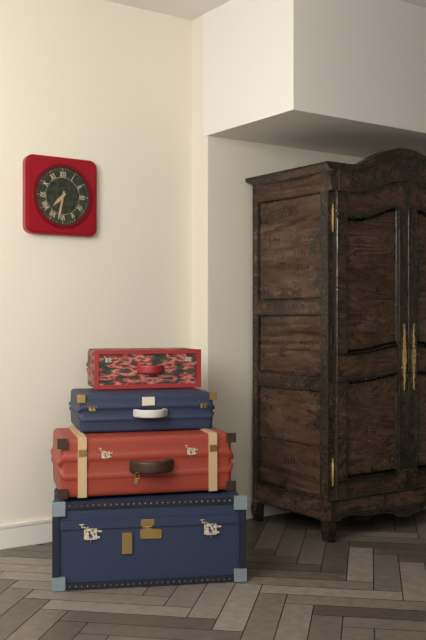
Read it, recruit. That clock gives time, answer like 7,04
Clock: 7,32
